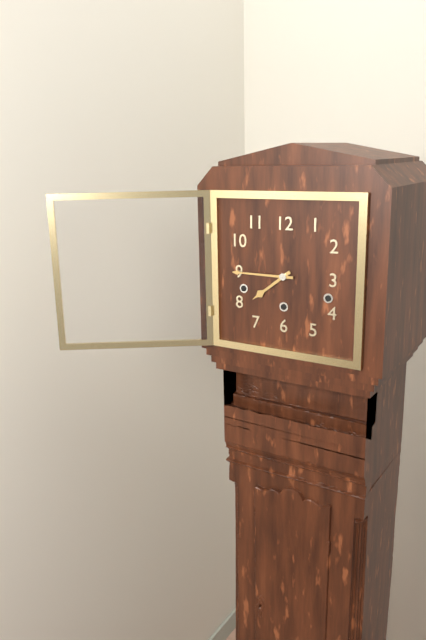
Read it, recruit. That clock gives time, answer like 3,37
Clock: 7,45
